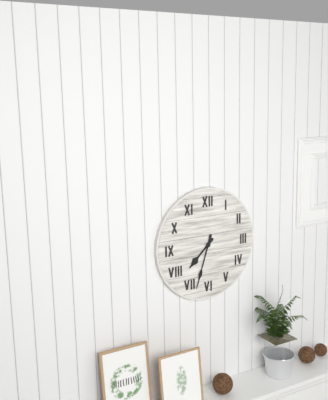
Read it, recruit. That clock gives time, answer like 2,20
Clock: 7,33
